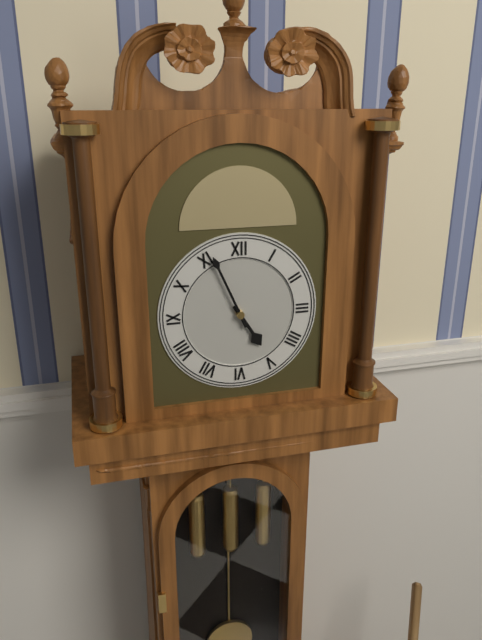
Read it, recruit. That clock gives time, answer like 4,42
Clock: 4,56
